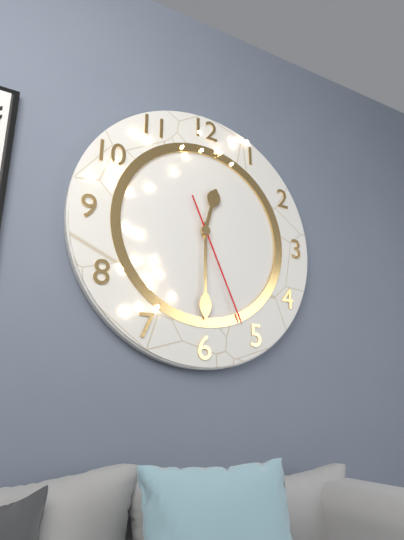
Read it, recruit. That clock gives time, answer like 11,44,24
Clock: 12,30,26
